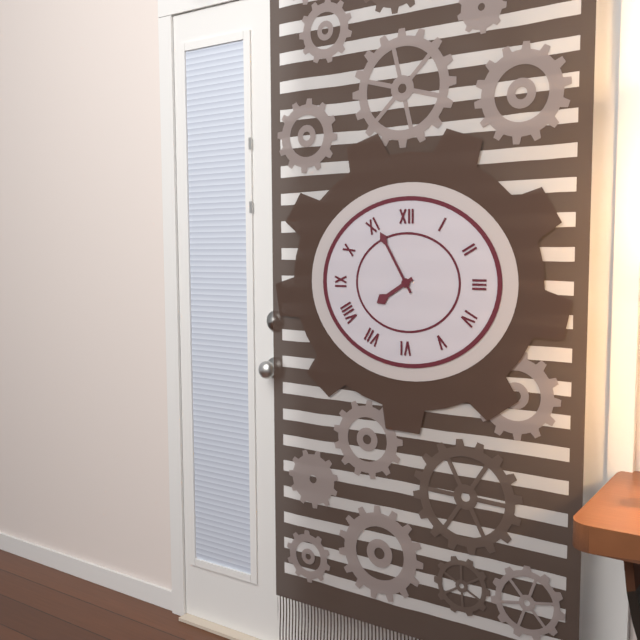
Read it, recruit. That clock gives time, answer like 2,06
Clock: 7,55
